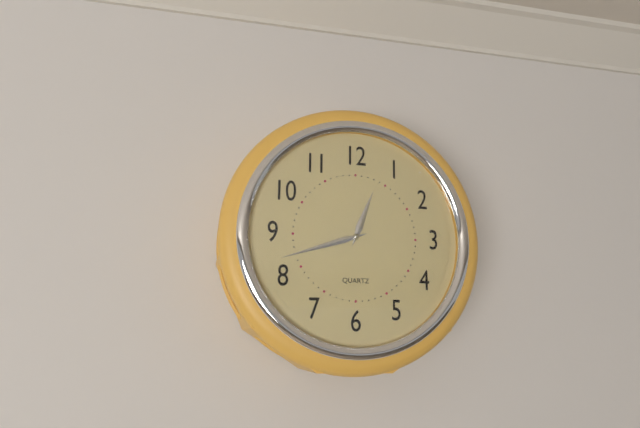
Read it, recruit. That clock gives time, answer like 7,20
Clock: 12,42
